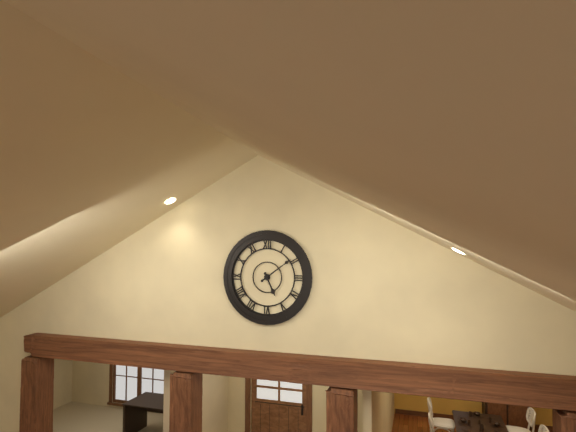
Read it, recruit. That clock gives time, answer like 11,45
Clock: 5,09
